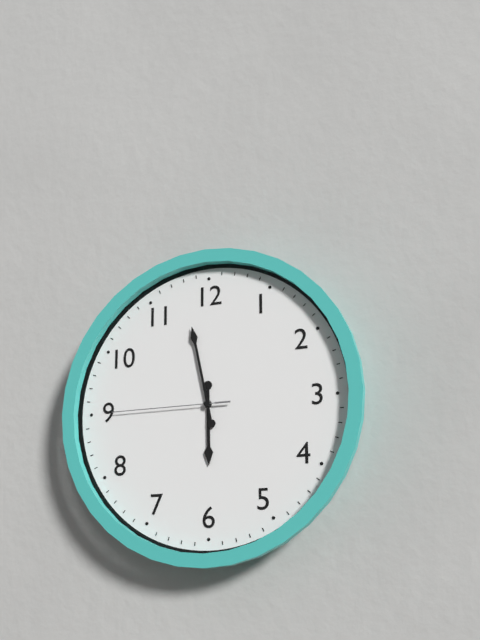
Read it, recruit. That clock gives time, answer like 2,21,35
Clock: 5,58,45
